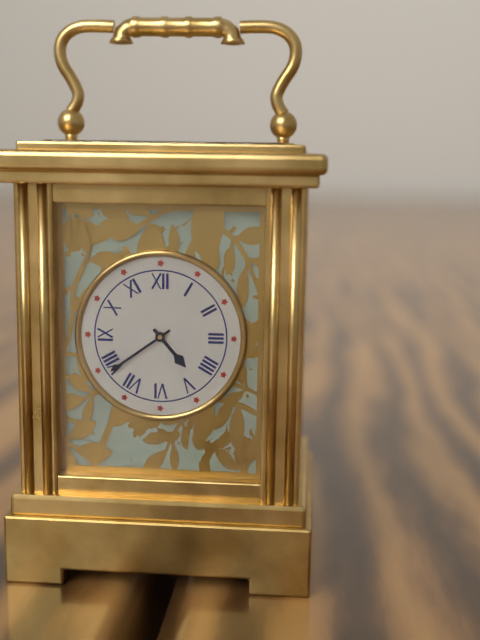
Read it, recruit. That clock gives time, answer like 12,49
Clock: 4,39
